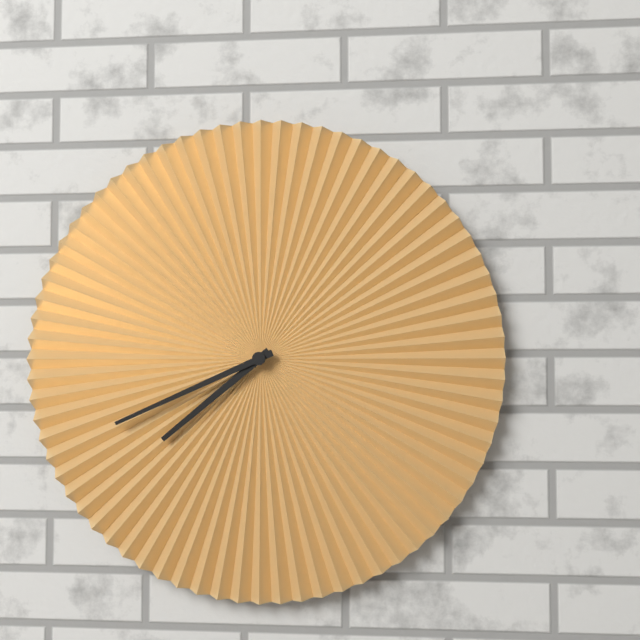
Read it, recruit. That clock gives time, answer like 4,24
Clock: 7,41
